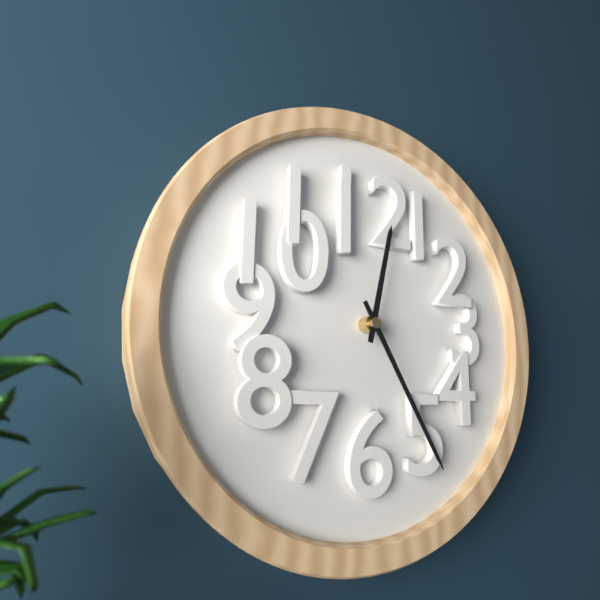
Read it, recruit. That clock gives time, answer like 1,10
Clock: 12,25
